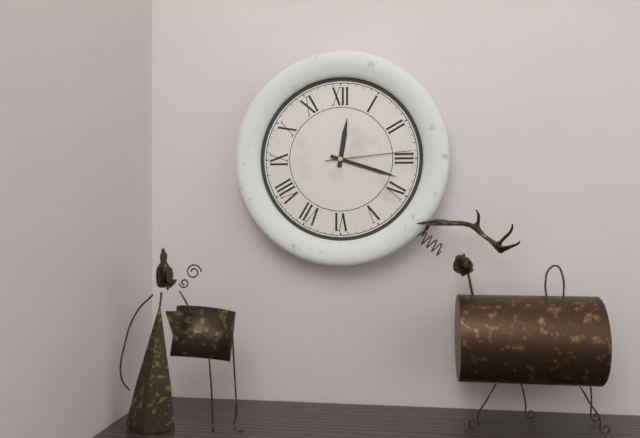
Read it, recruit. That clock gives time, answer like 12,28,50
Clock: 12,18,14
